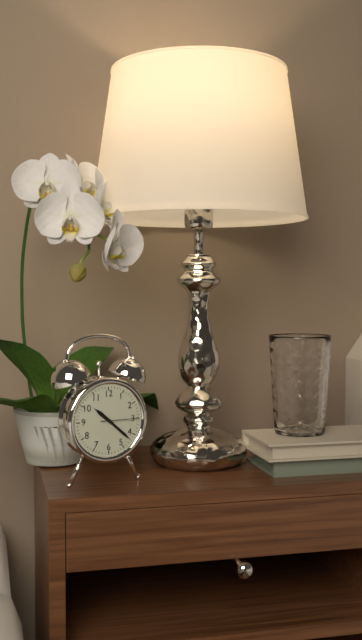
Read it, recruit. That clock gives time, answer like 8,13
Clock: 10,22
